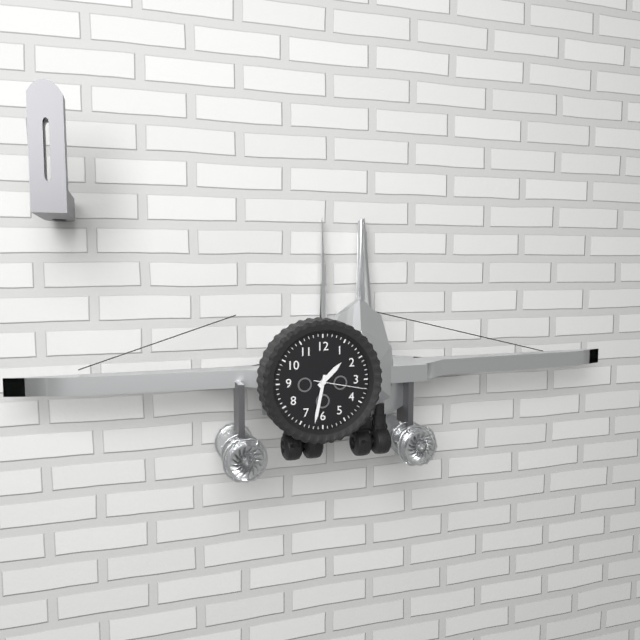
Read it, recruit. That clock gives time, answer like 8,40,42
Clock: 1,32,17
